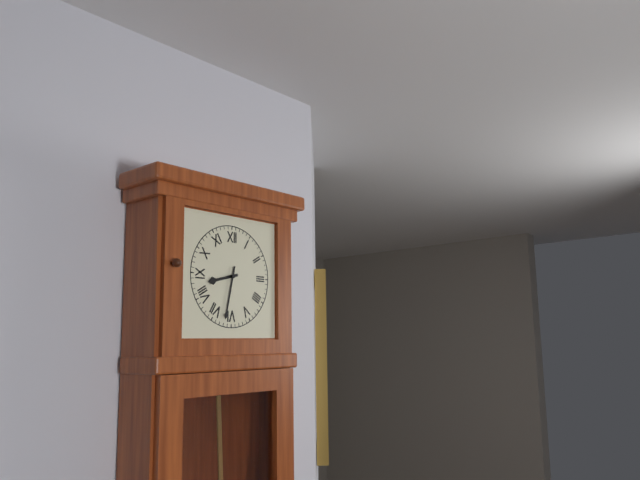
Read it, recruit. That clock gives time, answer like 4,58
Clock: 8,32
